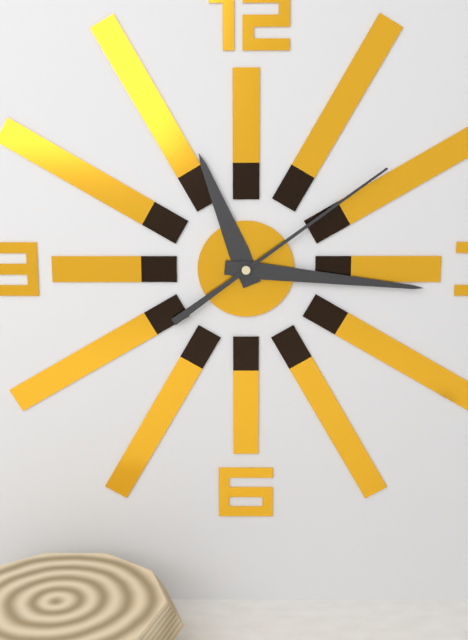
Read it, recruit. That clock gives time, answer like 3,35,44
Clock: 11,16,09
